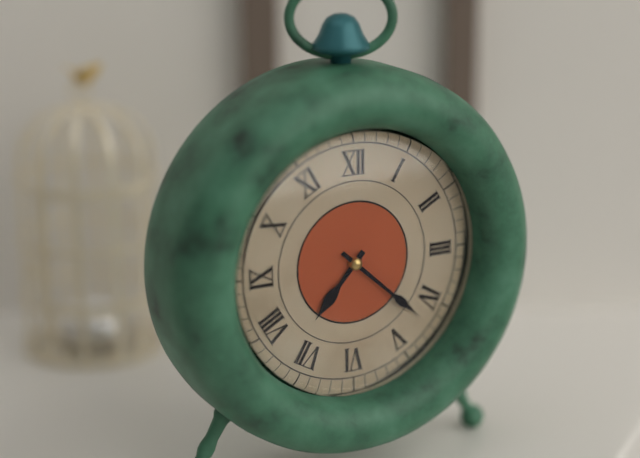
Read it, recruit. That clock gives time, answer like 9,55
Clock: 7,22
